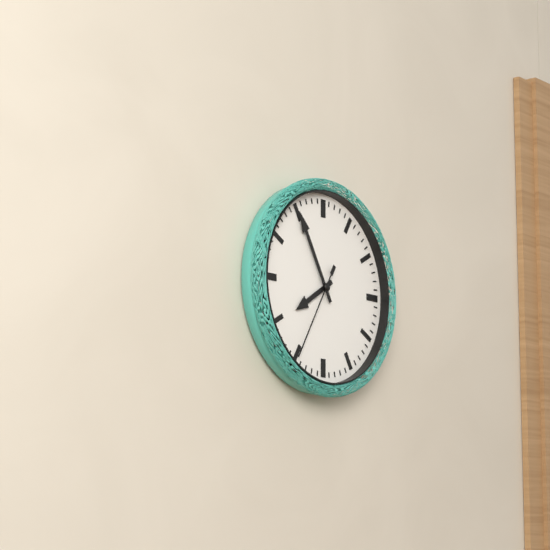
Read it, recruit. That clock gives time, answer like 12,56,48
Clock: 7,55,35
